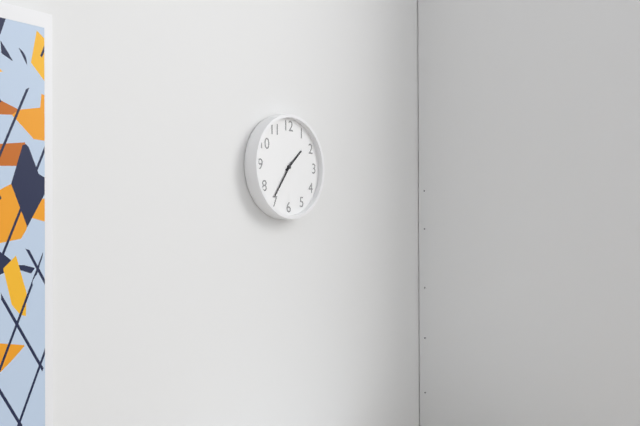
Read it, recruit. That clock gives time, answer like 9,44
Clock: 1,36
